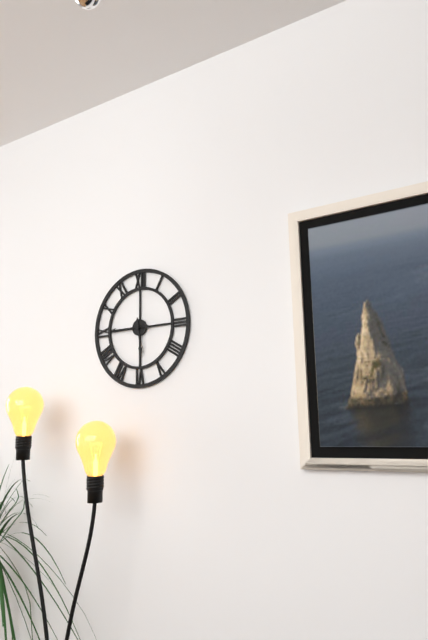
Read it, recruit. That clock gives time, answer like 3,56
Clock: 5,45
